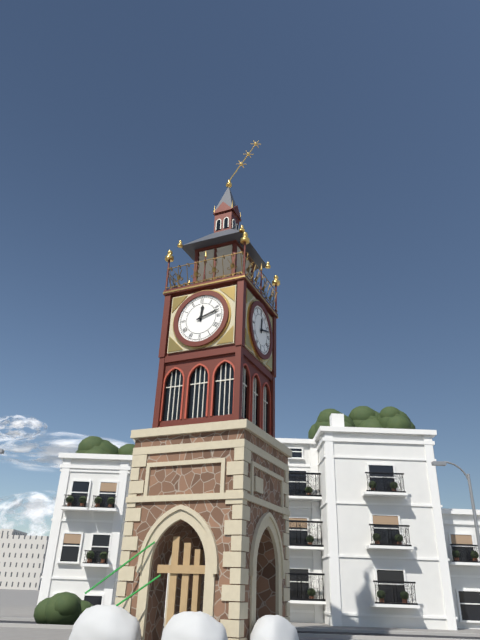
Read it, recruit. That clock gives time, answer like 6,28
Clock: 12,12
